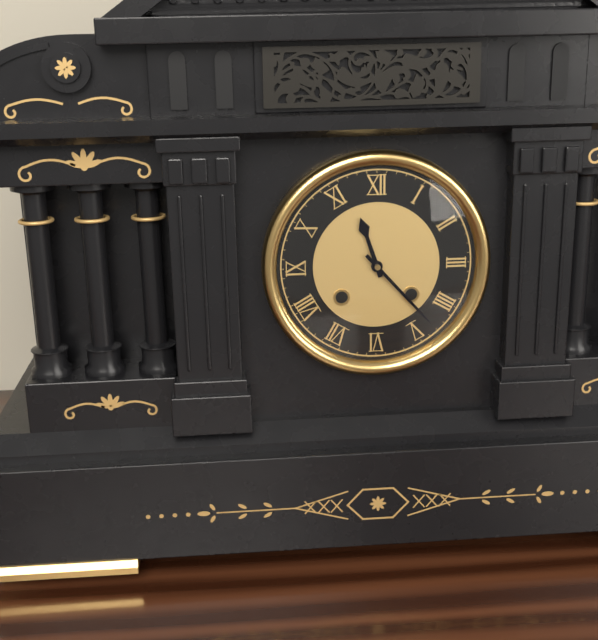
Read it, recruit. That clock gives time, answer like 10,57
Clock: 11,23
